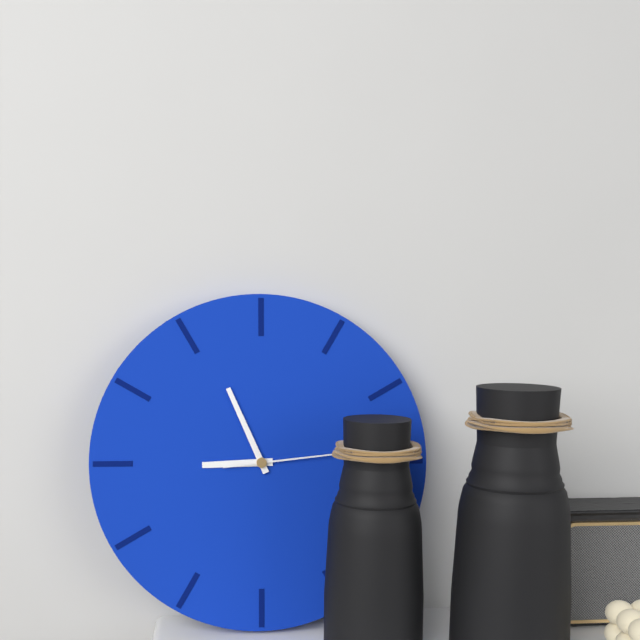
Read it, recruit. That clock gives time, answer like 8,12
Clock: 8,56
